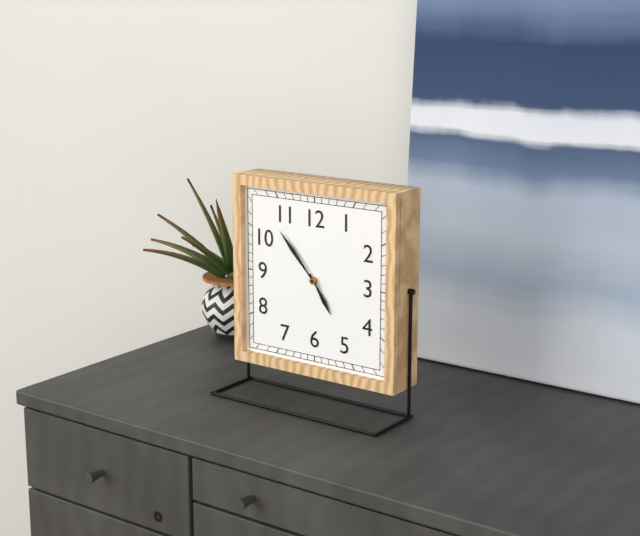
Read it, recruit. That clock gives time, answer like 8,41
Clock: 4,53
